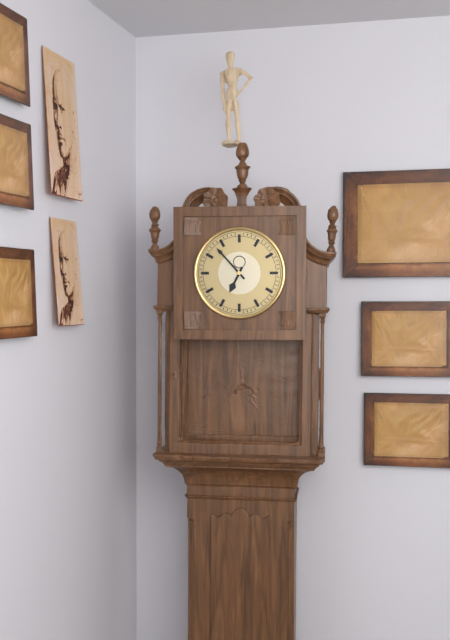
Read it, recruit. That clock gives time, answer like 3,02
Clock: 6,53
